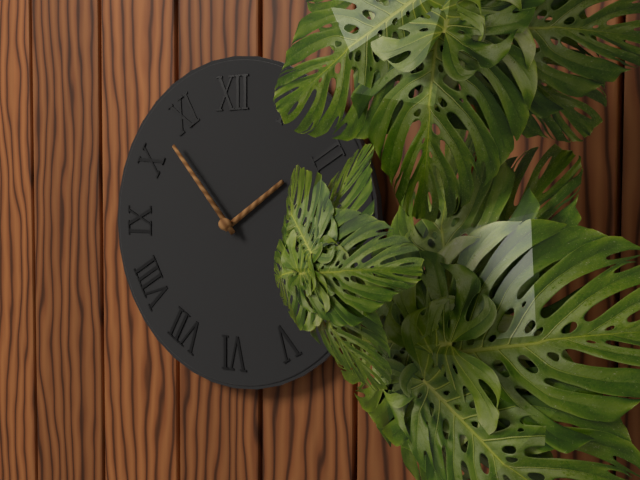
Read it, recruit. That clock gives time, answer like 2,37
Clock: 1,53
